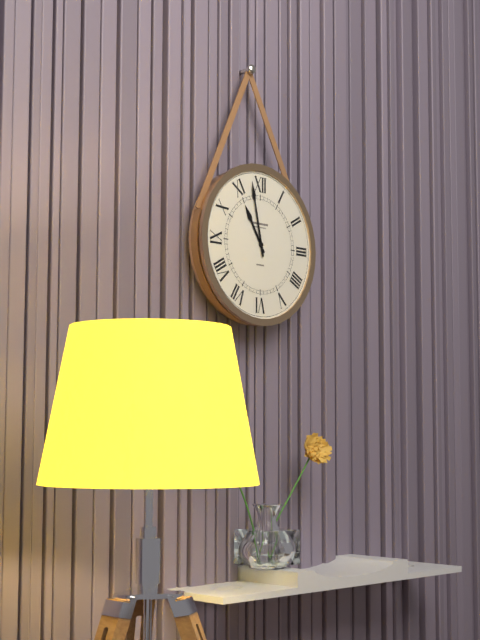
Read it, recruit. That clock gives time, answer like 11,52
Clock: 10,58
